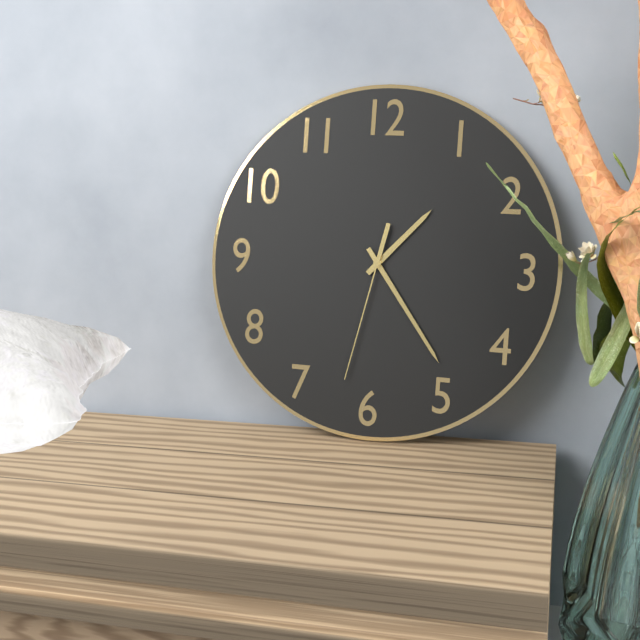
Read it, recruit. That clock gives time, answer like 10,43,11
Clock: 1,24,32
